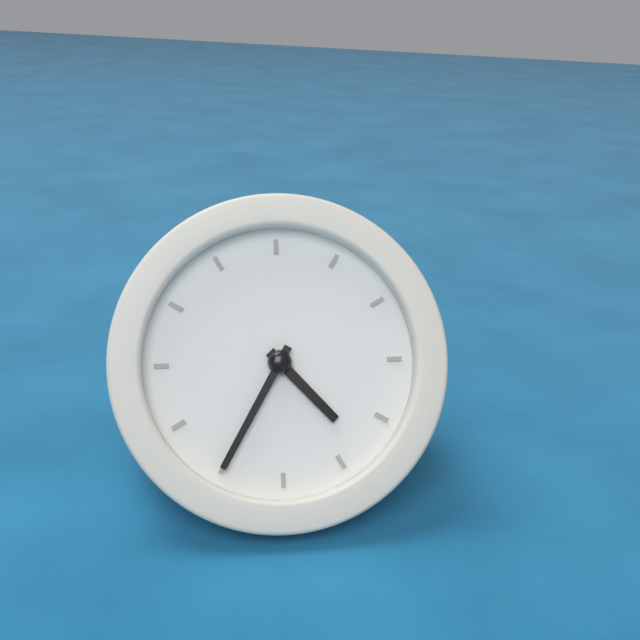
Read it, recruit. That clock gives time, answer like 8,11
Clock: 4,35
